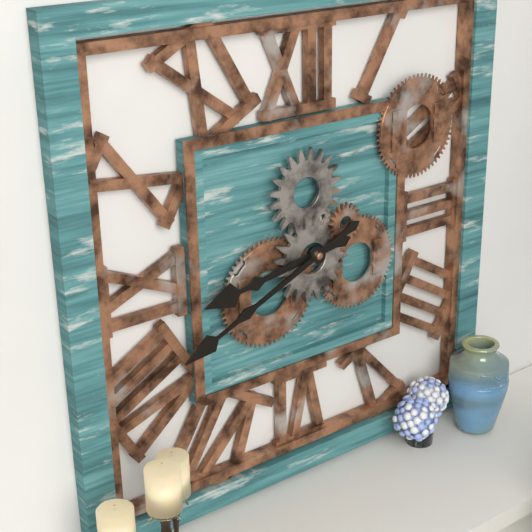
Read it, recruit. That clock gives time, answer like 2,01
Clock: 8,41
